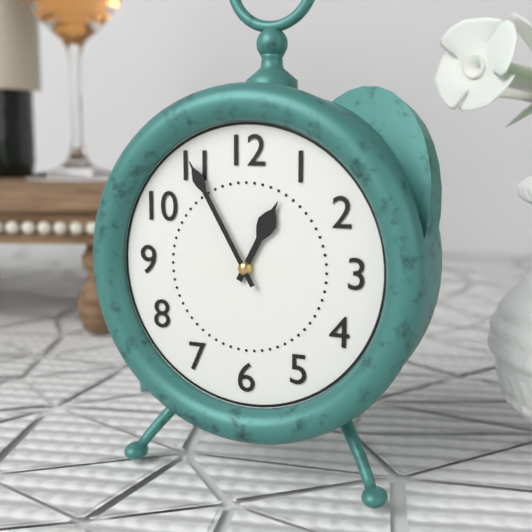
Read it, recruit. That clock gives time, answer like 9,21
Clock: 12,55
